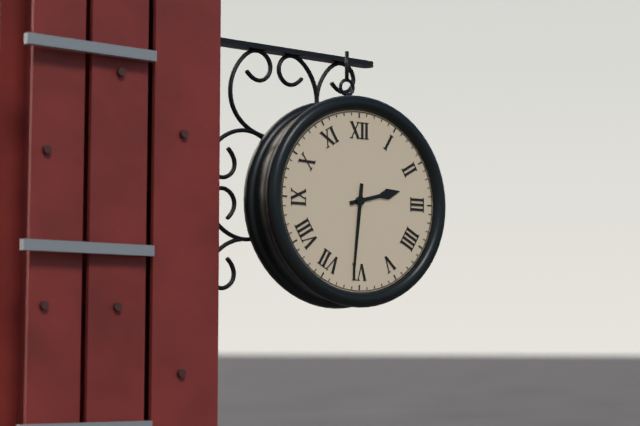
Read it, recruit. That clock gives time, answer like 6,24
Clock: 2,31
